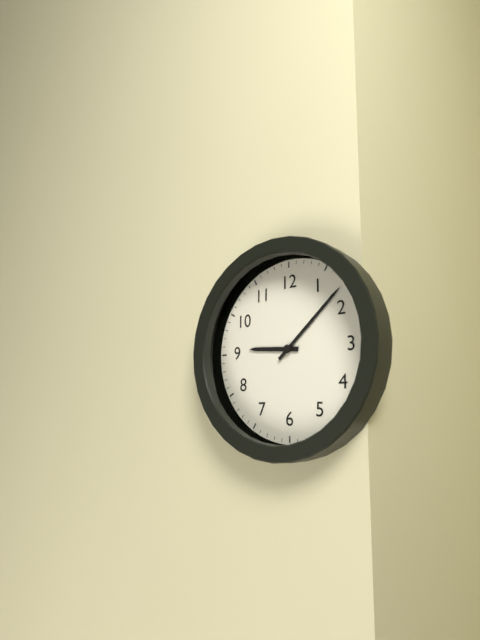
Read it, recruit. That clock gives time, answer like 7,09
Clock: 9,08
